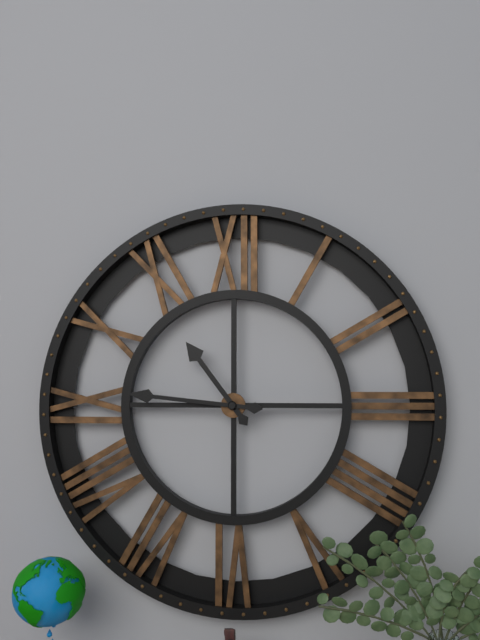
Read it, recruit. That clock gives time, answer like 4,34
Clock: 10,46
